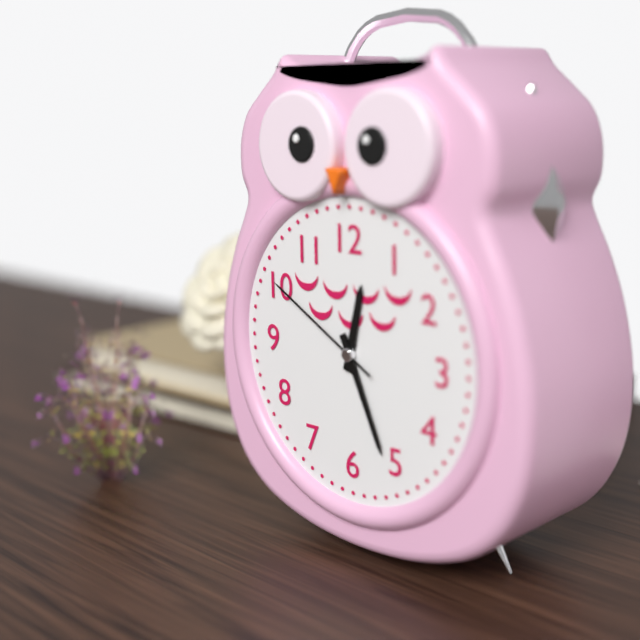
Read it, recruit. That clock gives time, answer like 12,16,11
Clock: 12,26,50
